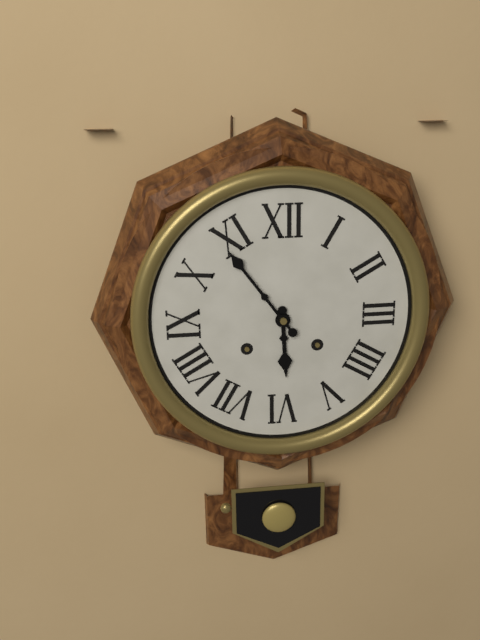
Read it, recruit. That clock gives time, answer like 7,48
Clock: 5,54
